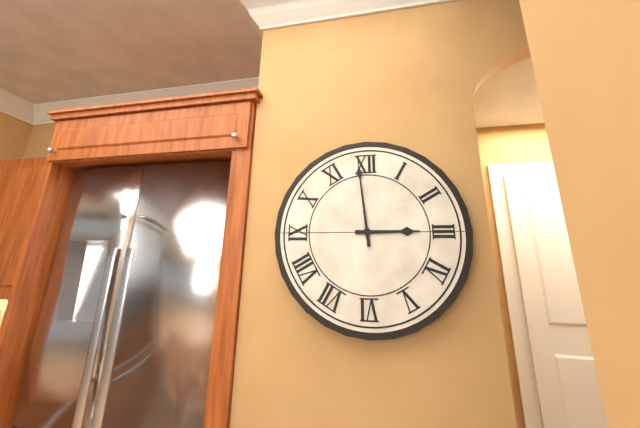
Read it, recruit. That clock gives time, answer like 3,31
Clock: 2,59
